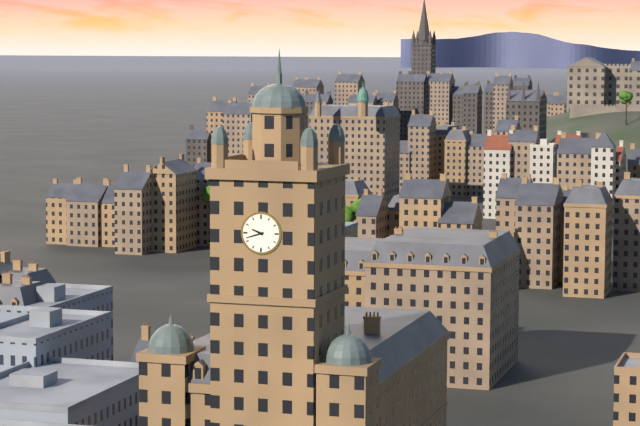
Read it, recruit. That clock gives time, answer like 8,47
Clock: 9,42
